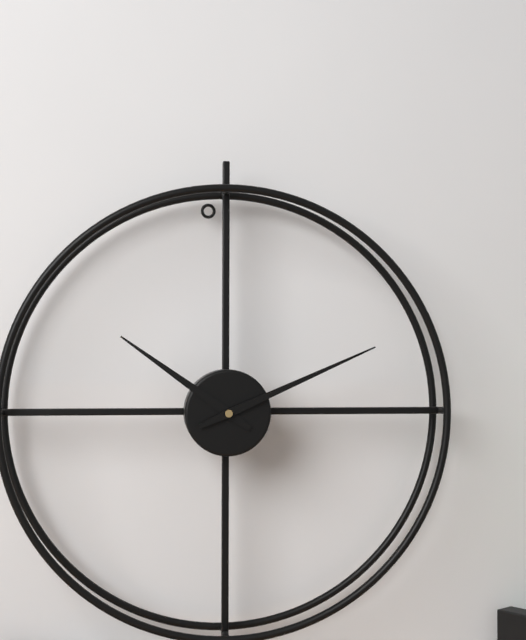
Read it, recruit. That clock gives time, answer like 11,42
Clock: 10,11
